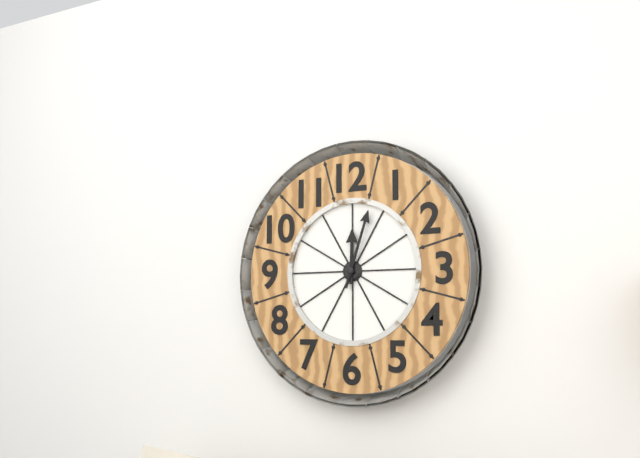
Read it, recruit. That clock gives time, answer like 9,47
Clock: 12,03
